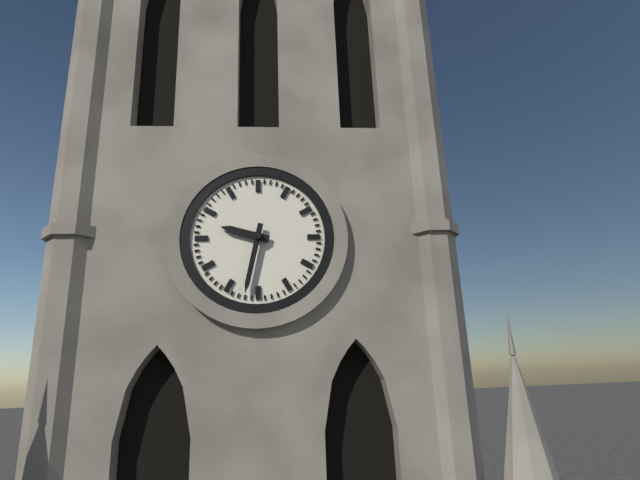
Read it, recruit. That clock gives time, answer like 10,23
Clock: 9,32
